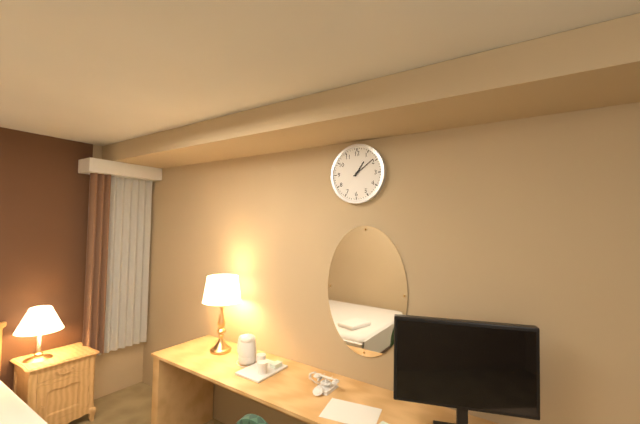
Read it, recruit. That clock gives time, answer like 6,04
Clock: 1,09
